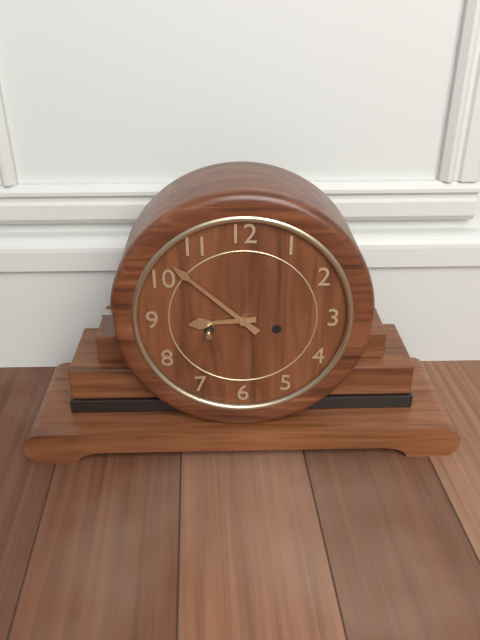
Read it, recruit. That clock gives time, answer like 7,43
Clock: 8,52
